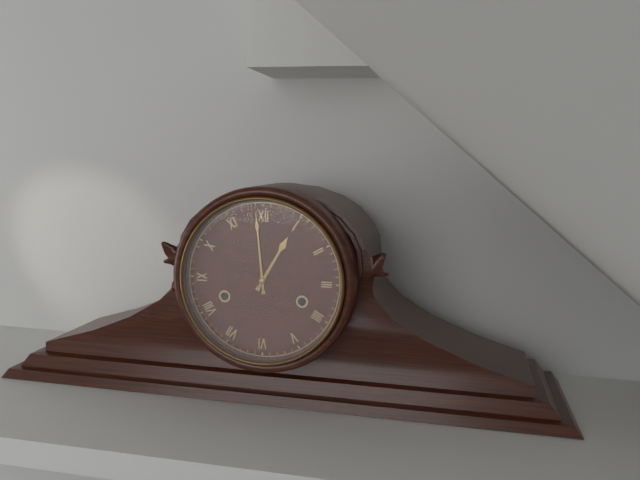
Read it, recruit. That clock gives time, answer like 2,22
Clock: 12,59
